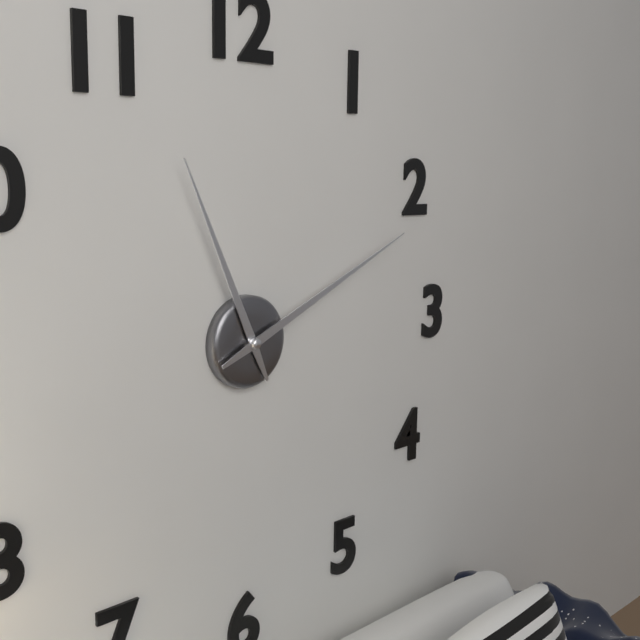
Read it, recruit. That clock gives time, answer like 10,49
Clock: 11,11
